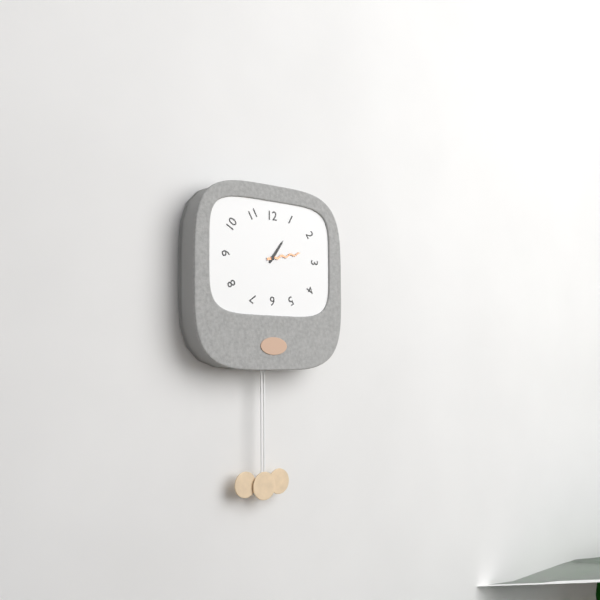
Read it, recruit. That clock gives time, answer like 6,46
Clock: 1,13
